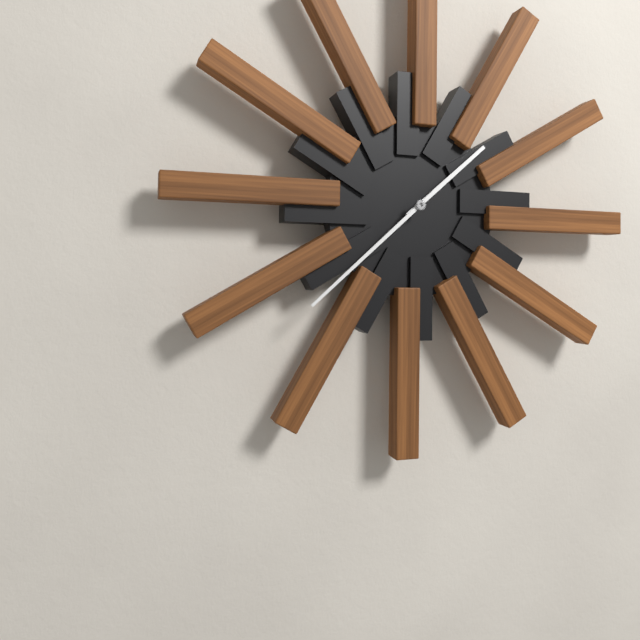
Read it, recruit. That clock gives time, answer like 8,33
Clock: 1,38
